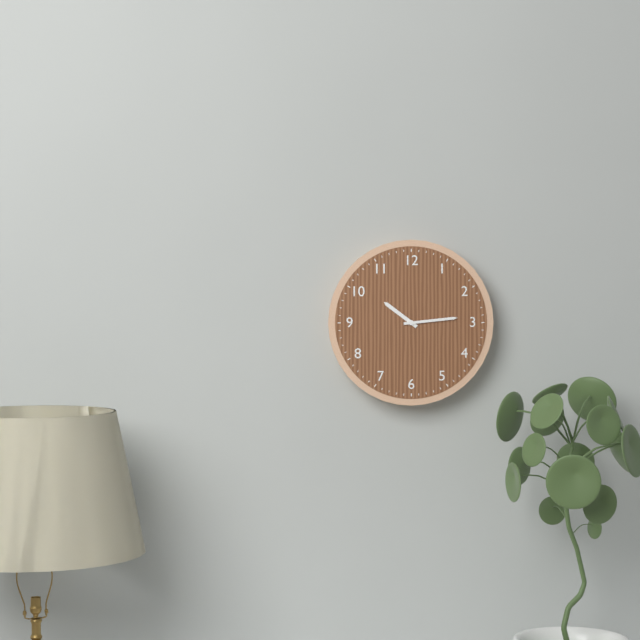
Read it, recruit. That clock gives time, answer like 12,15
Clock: 10,14
